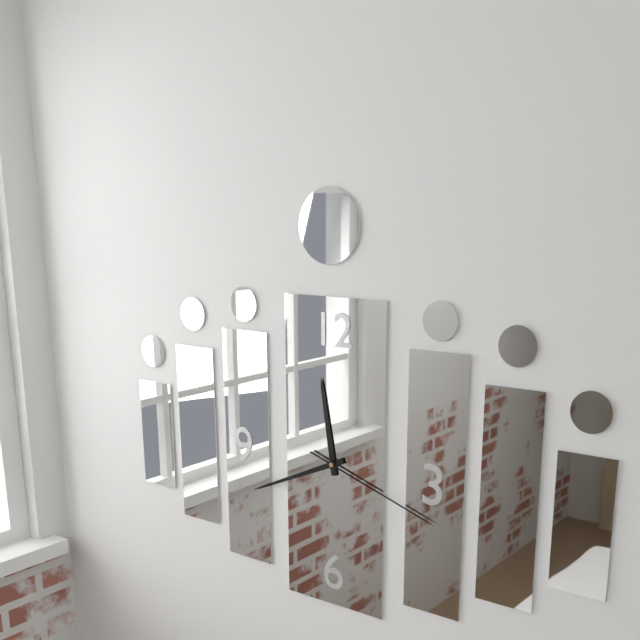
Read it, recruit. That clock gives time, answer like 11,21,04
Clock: 11,41,18
